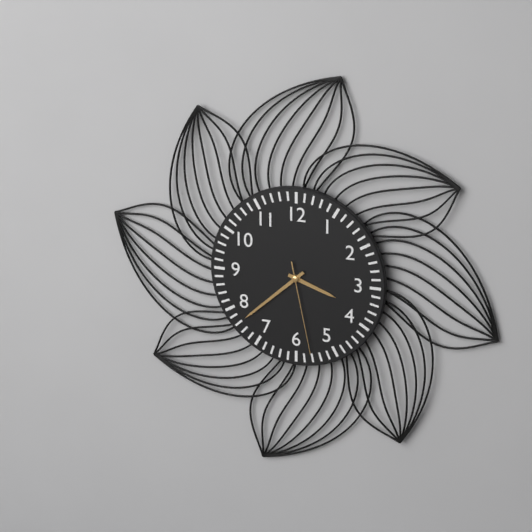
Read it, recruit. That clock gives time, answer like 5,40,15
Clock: 3,38,28
